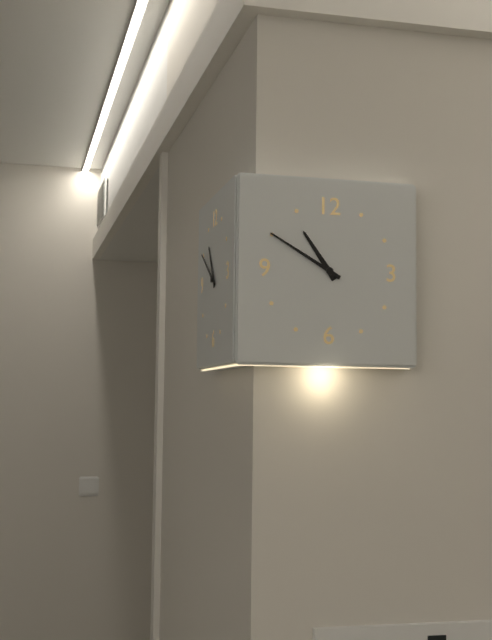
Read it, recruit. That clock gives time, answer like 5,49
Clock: 10,50
